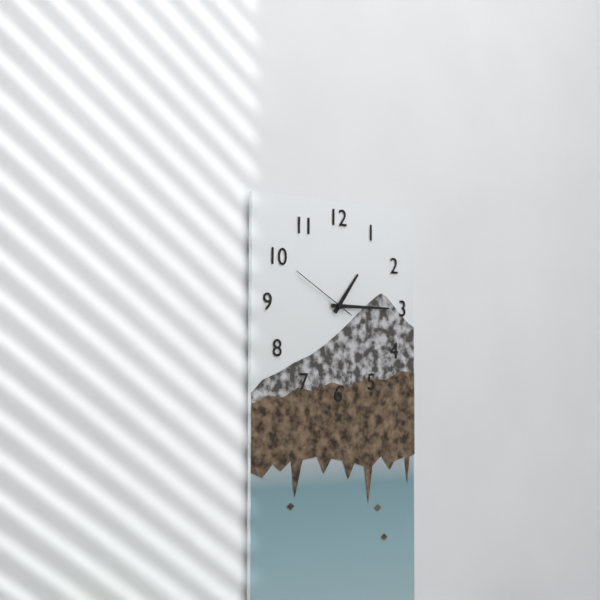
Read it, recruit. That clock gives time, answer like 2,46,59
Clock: 1,15,50
